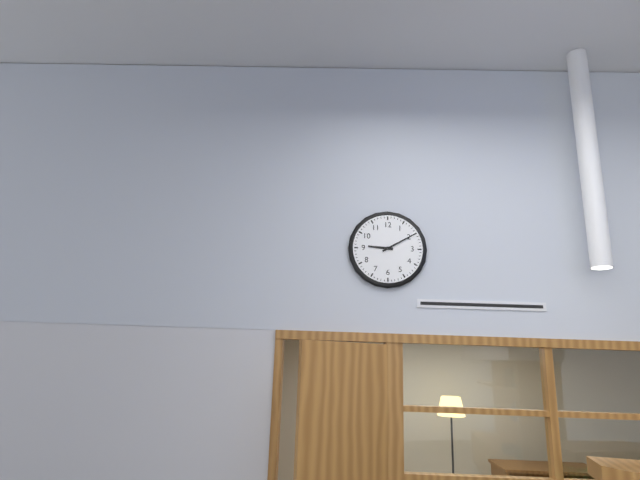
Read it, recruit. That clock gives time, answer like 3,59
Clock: 9,10
